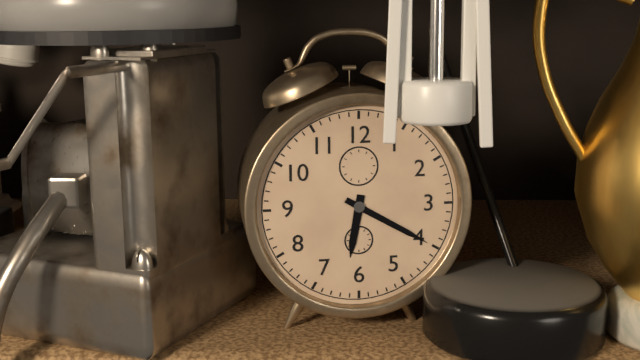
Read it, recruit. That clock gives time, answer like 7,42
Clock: 6,20
